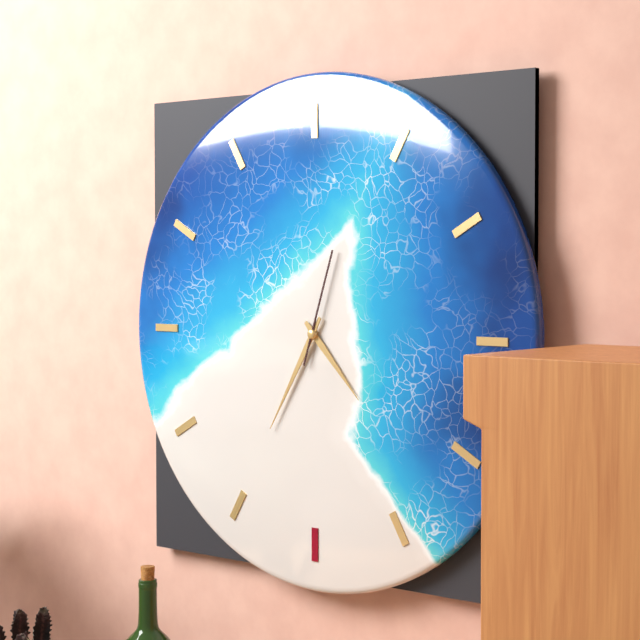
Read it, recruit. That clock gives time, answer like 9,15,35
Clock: 4,35,03
